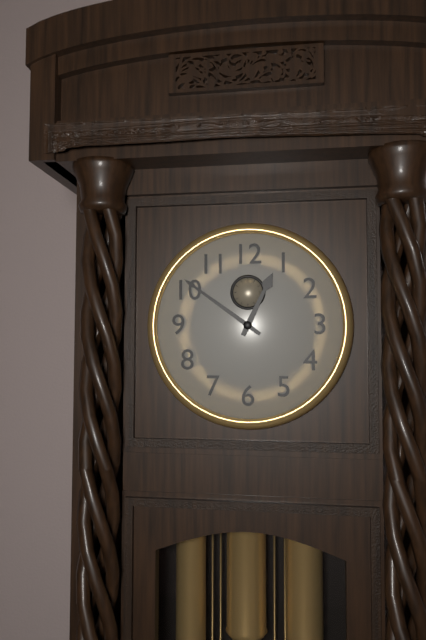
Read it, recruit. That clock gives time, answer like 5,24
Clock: 12,51
